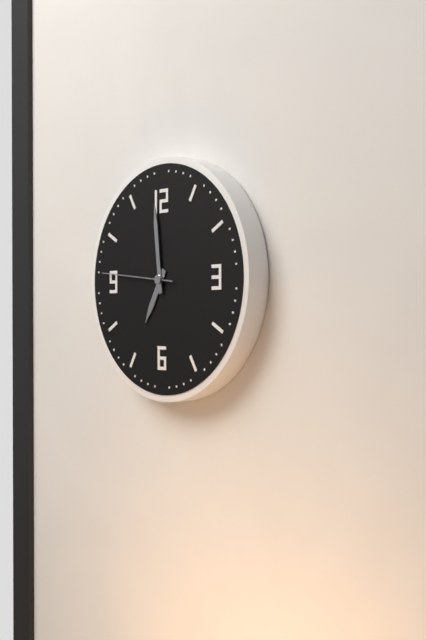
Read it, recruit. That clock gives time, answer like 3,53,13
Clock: 6,59,46
